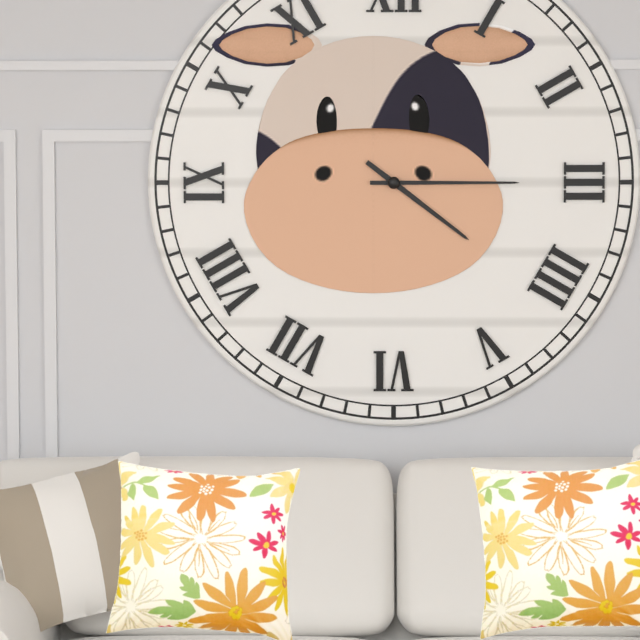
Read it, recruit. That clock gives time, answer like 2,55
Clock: 4,15
